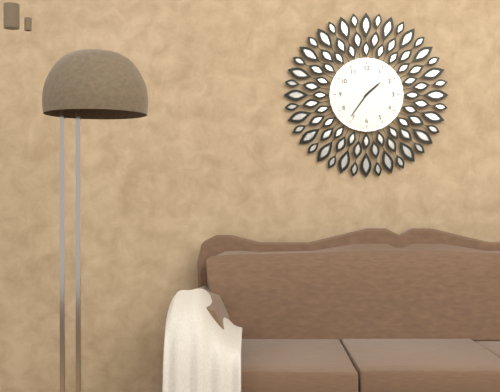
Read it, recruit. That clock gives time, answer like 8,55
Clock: 1,36
